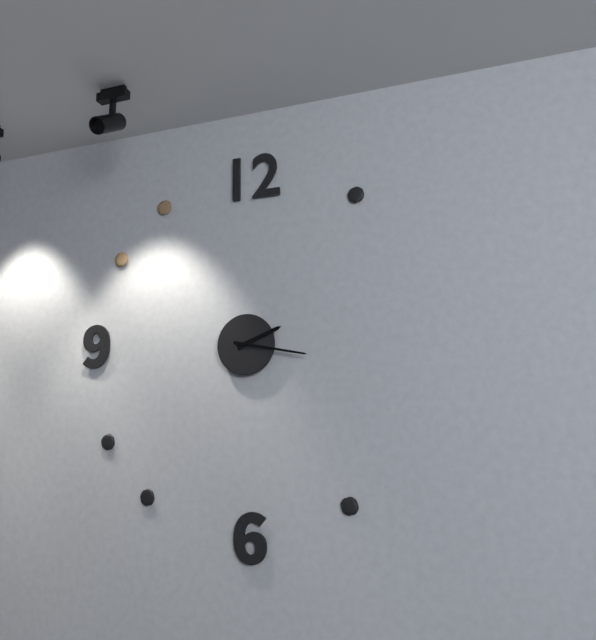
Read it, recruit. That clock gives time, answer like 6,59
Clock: 2,17
